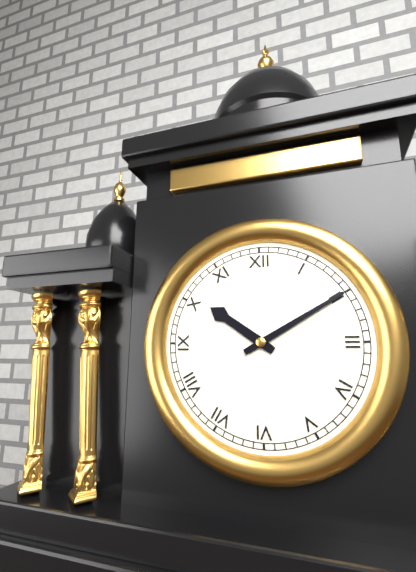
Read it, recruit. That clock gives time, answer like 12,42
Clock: 10,10
